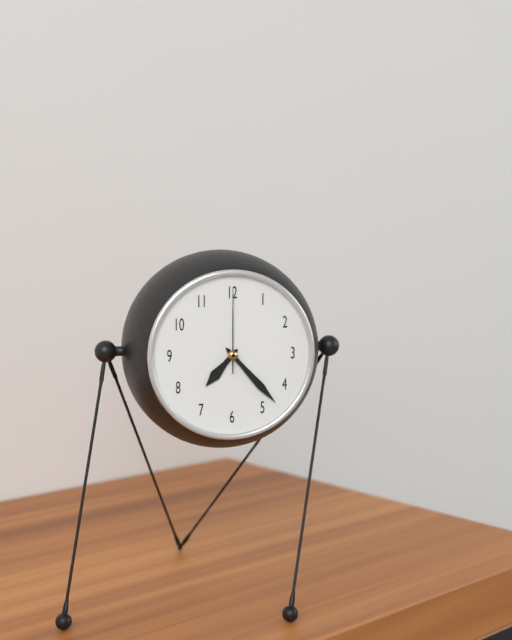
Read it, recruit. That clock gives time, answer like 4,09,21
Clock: 7,23,00
